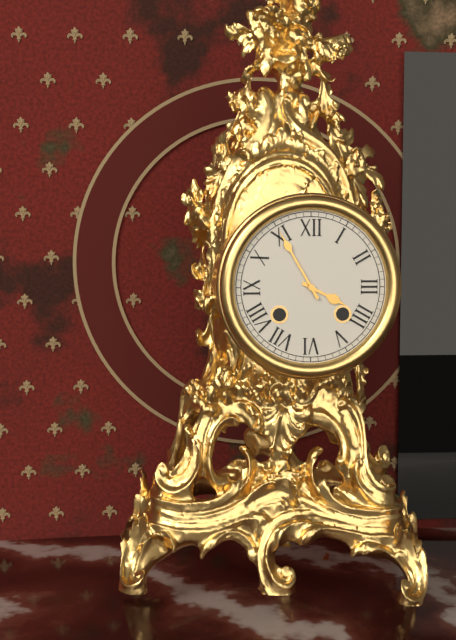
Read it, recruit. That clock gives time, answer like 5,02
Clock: 3,55
